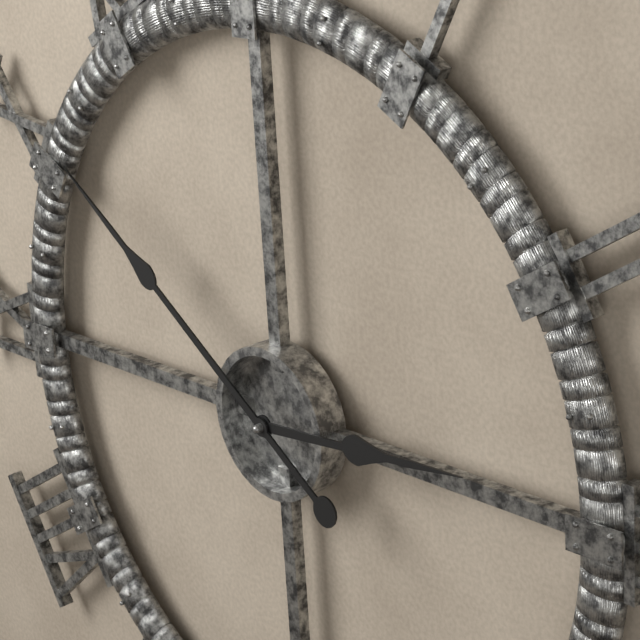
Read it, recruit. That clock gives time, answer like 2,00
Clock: 2,51
